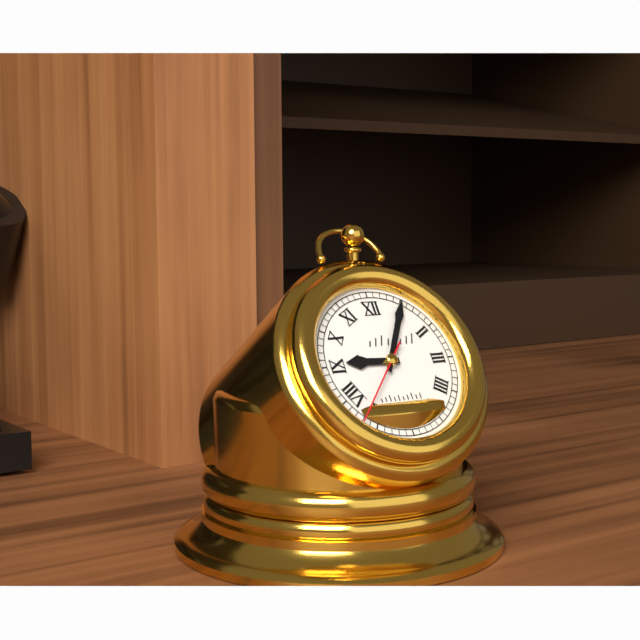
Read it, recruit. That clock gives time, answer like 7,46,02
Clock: 9,05,37
